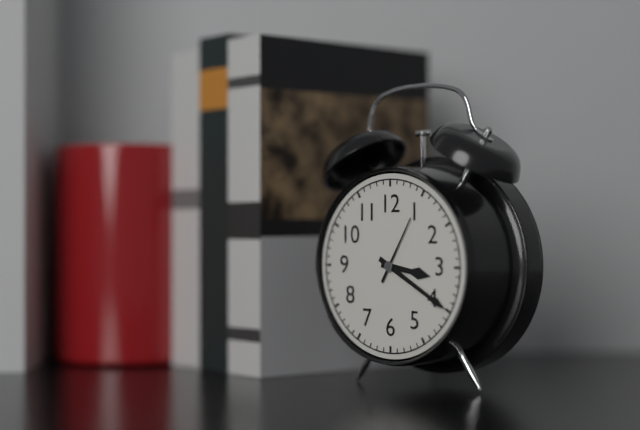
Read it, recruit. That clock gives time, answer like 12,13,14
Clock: 3,20,05
